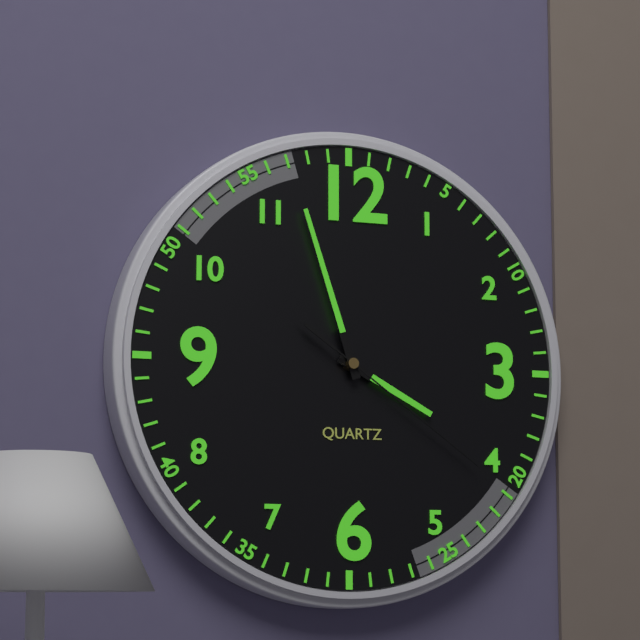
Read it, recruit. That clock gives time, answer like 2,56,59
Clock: 3,57,21
